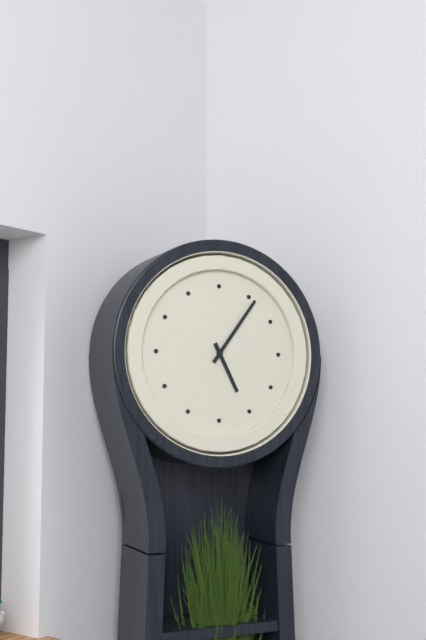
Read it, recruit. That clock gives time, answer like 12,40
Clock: 5,06
